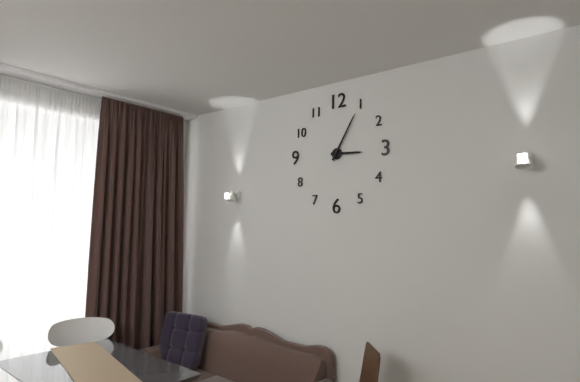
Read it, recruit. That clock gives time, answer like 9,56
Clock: 3,05
